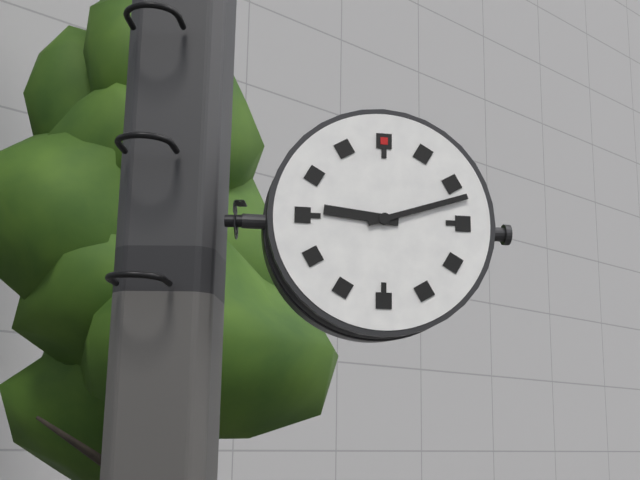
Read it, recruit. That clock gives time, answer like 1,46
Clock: 9,12
